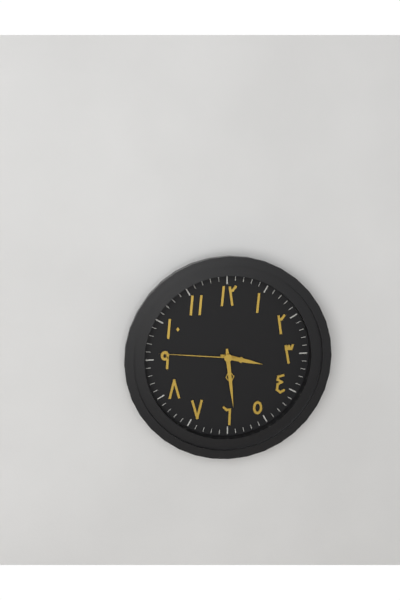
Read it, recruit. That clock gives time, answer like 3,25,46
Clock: 3,29,46
